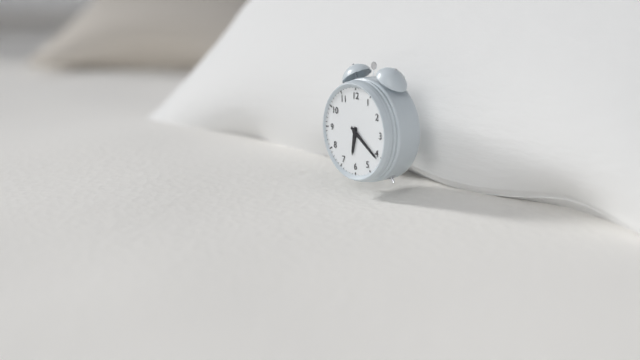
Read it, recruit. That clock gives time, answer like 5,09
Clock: 6,21
